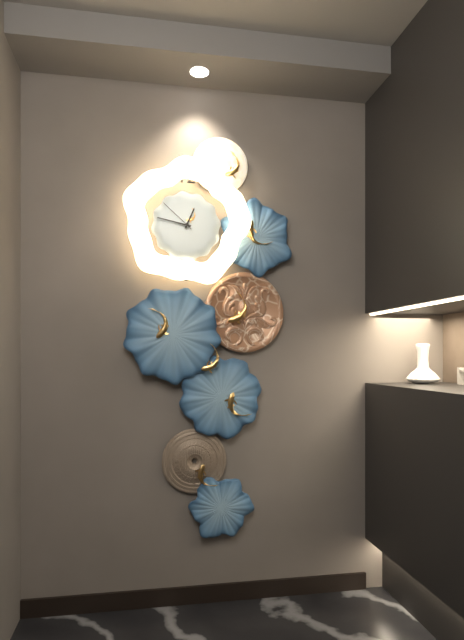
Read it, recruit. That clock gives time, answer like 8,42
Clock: 12,47
